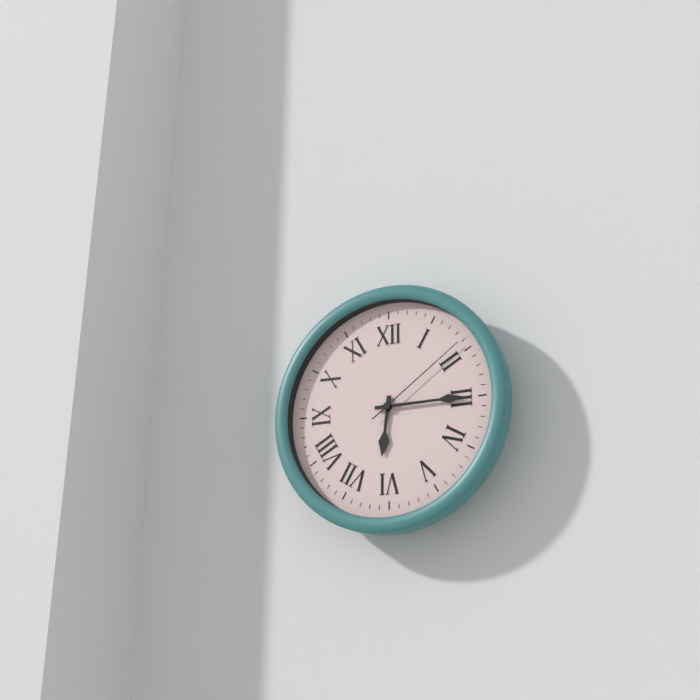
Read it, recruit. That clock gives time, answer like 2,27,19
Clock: 6,15,09
